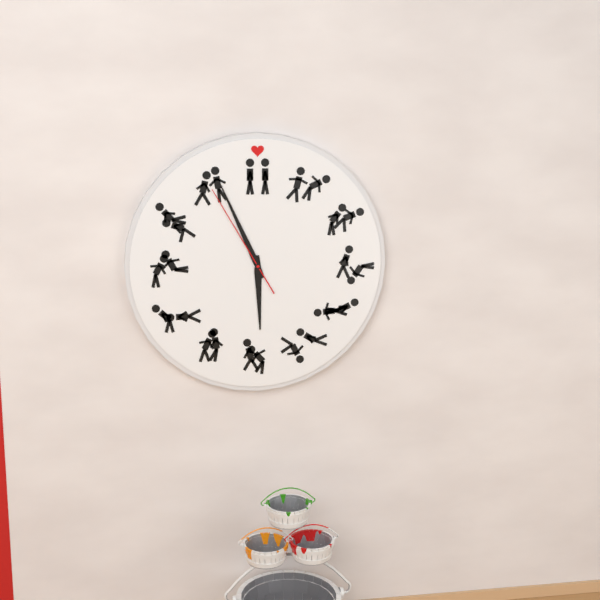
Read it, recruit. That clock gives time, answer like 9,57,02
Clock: 5,56,55
